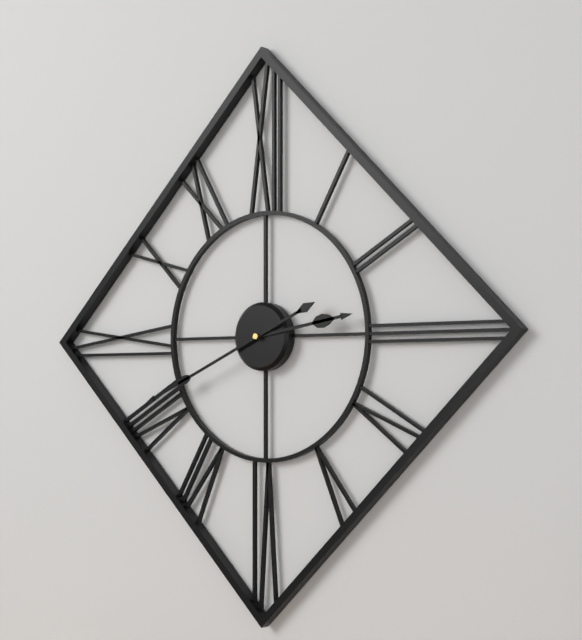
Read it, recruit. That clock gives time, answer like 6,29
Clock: 2,41
